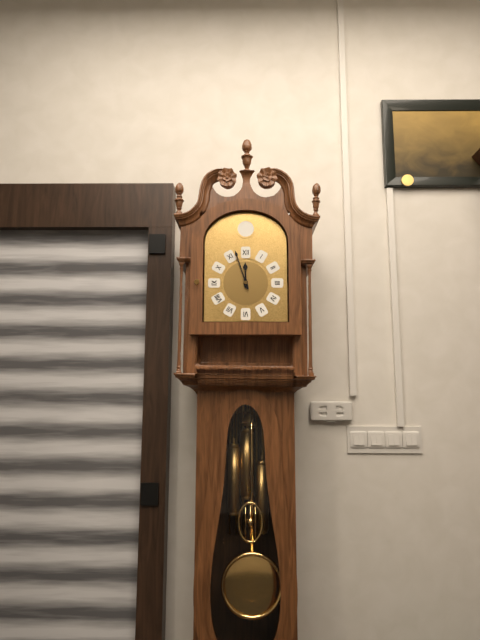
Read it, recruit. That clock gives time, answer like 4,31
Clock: 11,57
